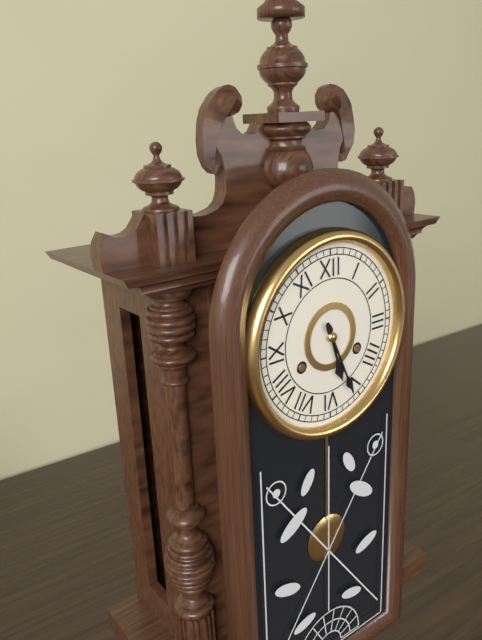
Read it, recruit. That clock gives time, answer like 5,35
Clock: 5,26
